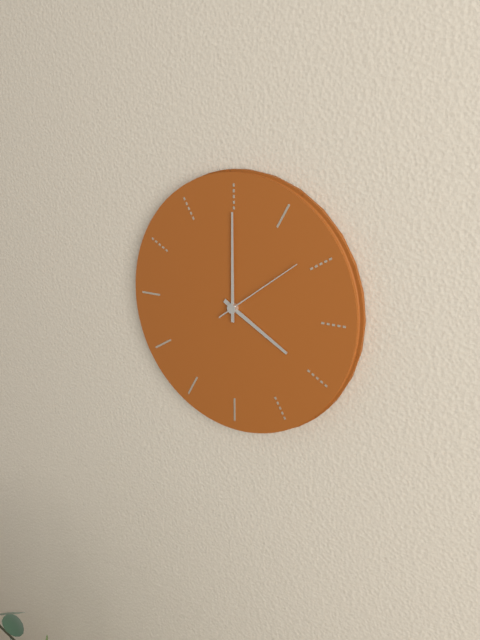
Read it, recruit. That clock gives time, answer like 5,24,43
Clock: 4,00,09
